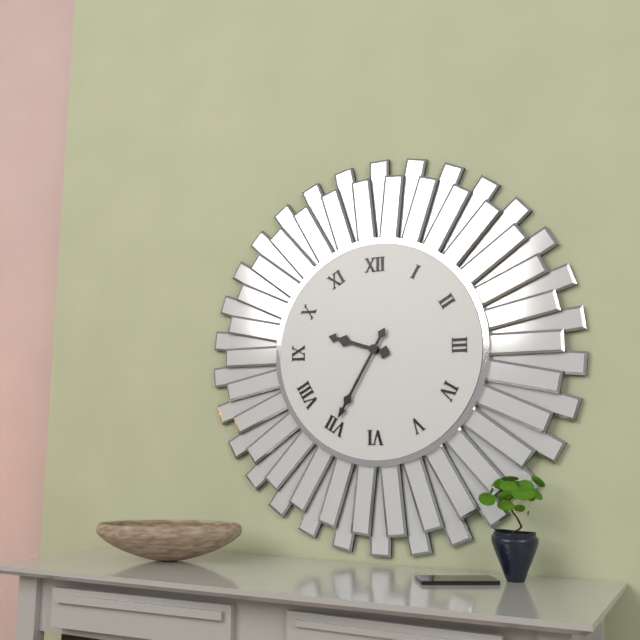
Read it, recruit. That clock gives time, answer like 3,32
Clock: 9,35
